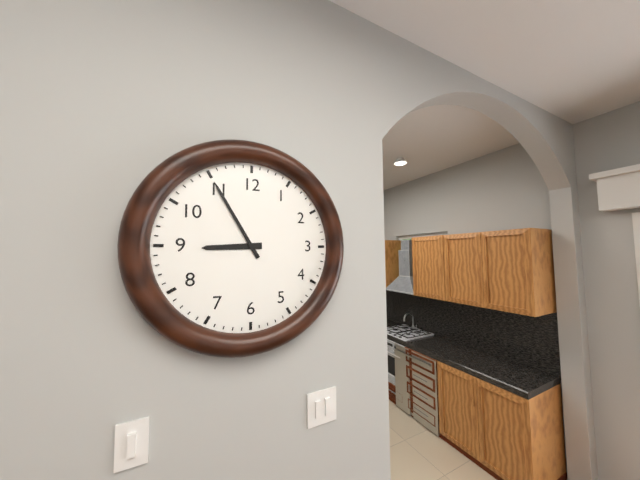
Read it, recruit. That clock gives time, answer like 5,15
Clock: 8,55
